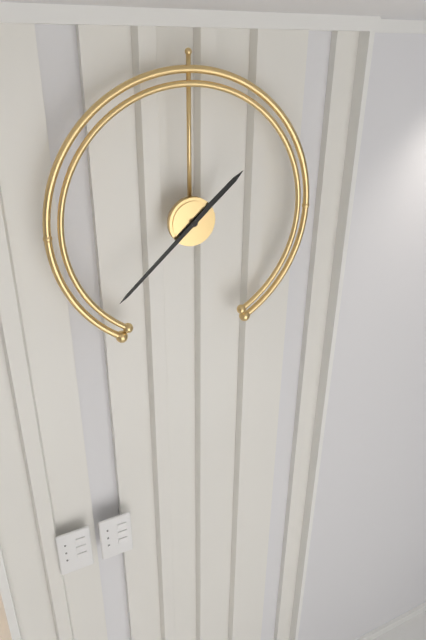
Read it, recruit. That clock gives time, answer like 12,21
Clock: 1,38
